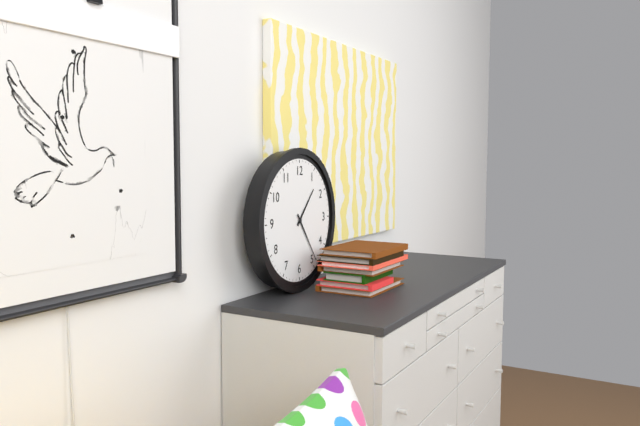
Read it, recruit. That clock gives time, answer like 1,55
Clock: 1,24
